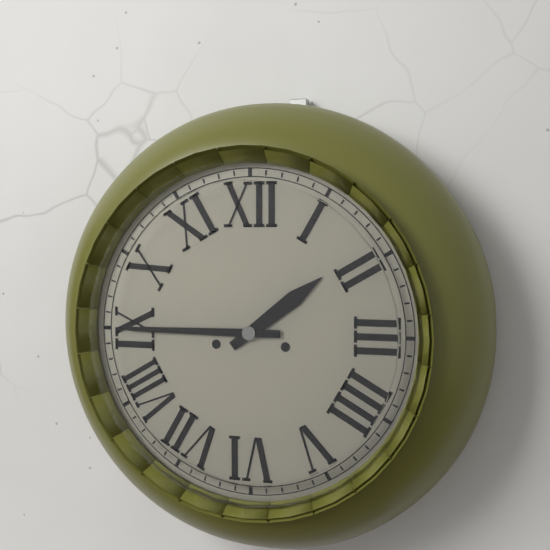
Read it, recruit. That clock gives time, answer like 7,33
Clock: 1,45
